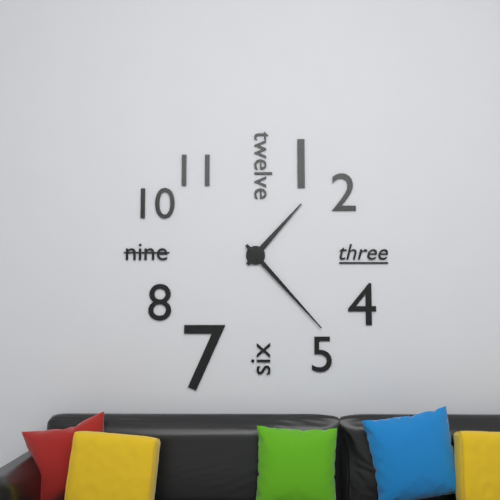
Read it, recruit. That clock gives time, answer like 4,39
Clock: 1,23
